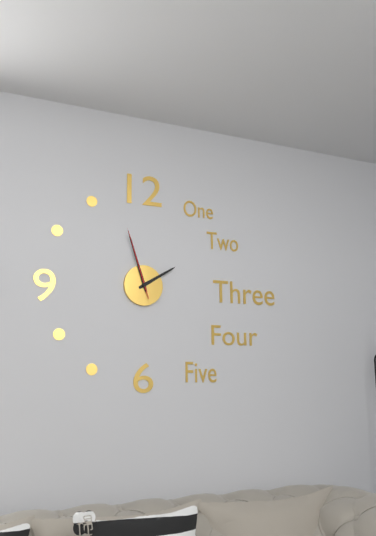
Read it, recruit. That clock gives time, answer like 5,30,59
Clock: 1,57,57
